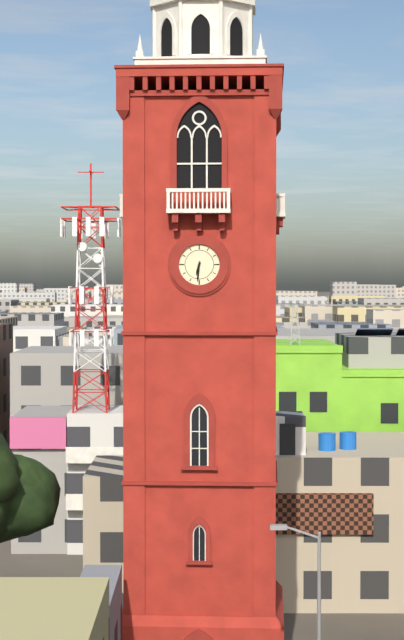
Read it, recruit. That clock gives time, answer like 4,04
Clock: 6,31
